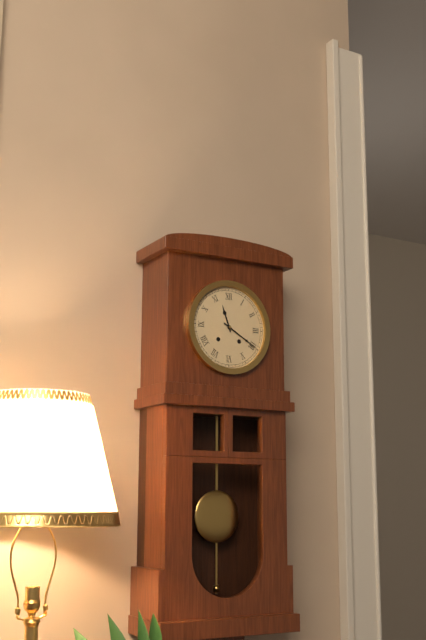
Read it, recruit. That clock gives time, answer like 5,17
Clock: 11,20
